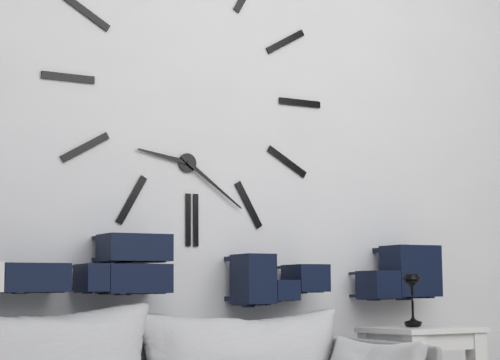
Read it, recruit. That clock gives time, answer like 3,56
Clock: 9,21
